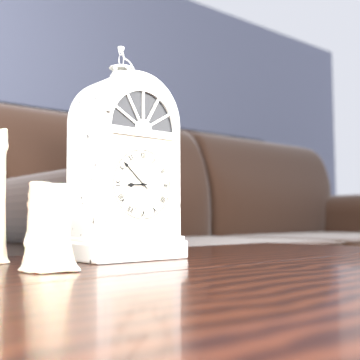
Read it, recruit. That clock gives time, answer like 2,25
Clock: 8,52
